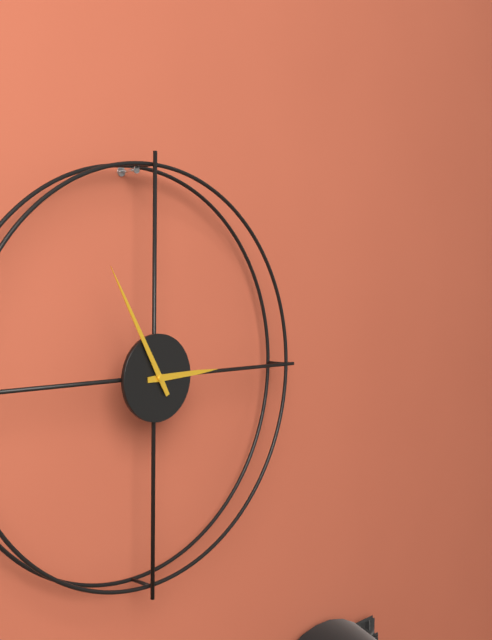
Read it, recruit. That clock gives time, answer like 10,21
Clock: 2,55
